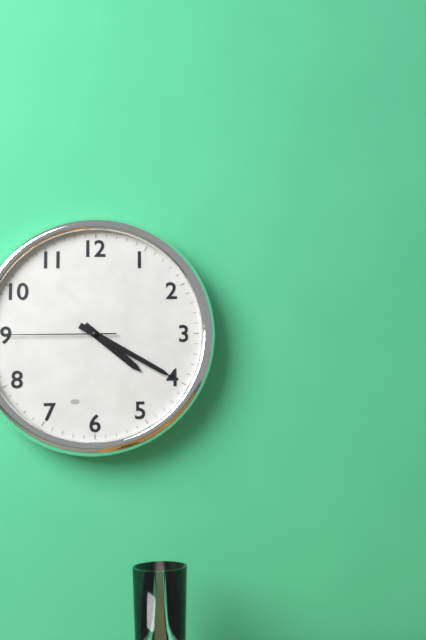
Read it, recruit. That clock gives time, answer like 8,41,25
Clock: 4,20,45
